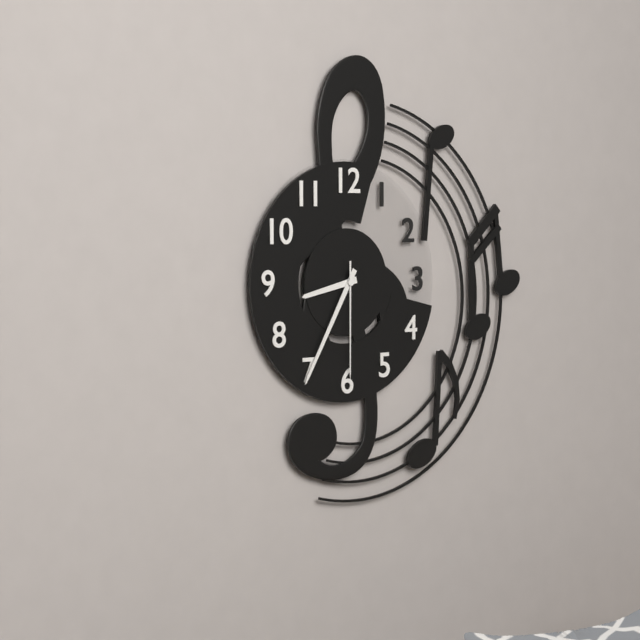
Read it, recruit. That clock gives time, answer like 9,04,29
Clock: 8,35,30
